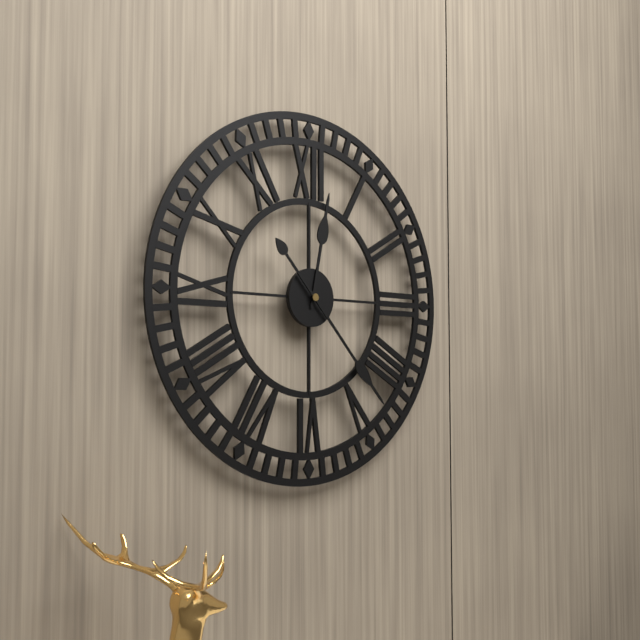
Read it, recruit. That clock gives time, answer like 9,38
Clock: 12,23
